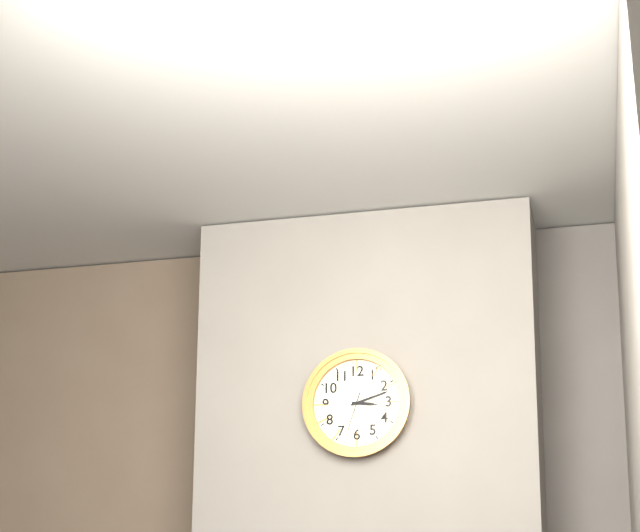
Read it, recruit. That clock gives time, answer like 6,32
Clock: 3,12
